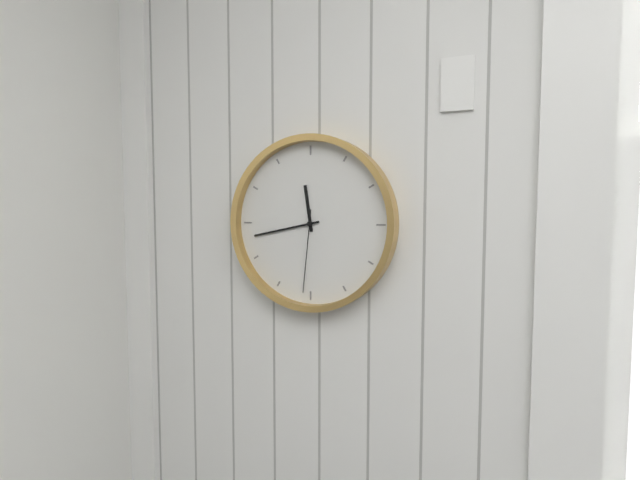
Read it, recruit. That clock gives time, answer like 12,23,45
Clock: 11,43,31
